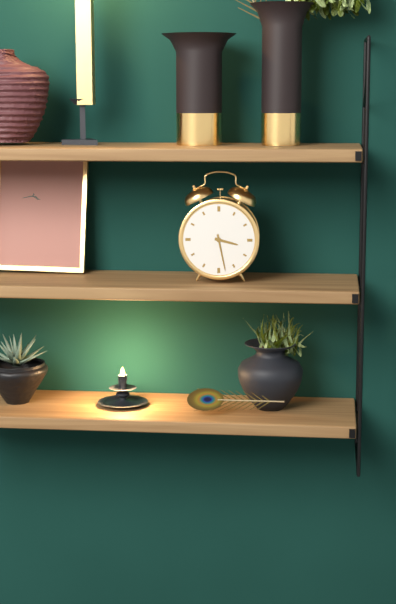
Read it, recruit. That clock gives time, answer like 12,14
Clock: 3,28
